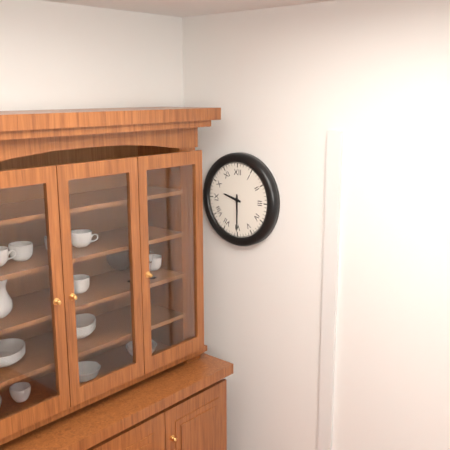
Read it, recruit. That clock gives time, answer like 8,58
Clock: 9,30
